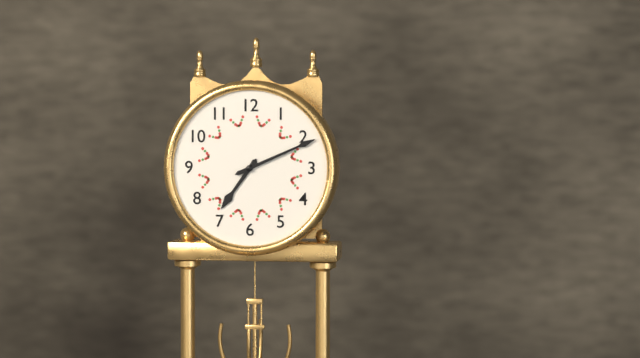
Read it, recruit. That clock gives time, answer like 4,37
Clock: 7,11
